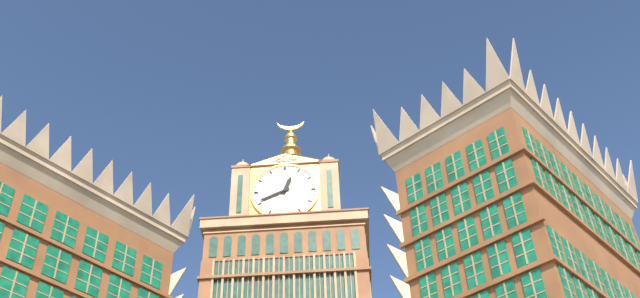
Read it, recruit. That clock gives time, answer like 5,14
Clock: 12,41
